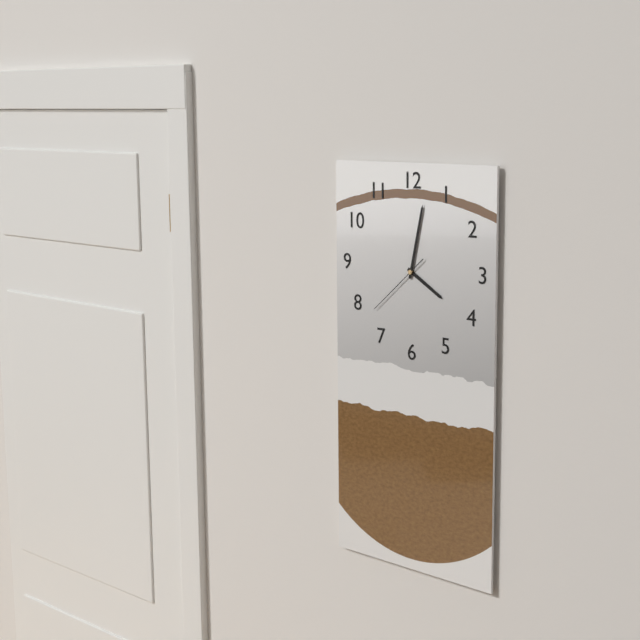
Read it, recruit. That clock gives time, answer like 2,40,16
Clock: 4,02,38
